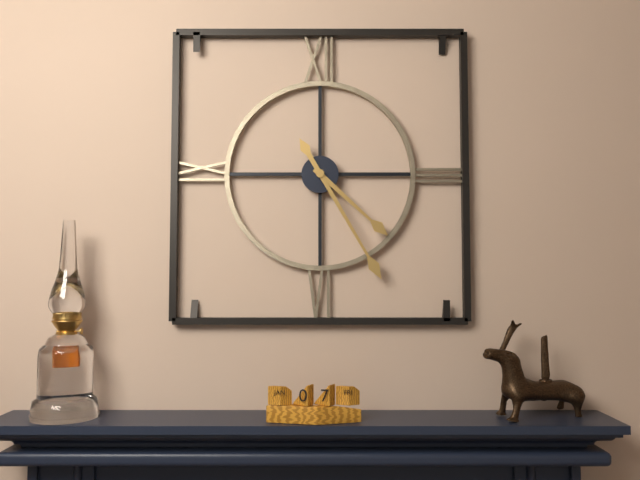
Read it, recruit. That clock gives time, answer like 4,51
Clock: 4,25
